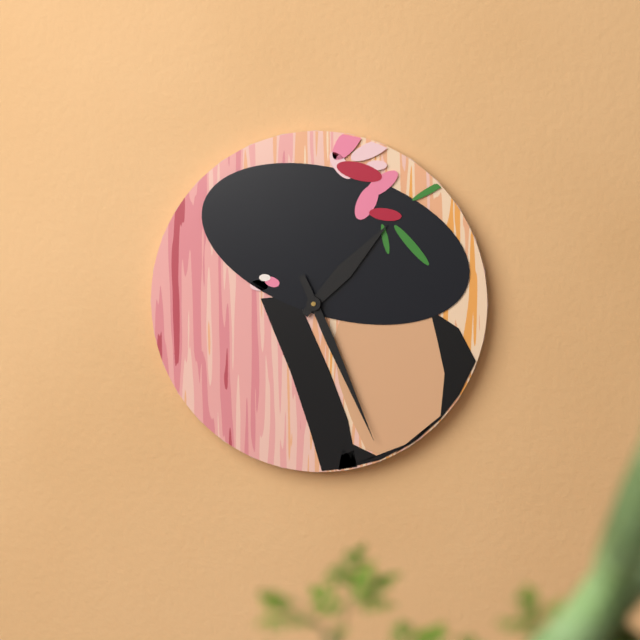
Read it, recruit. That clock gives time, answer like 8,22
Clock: 1,26
